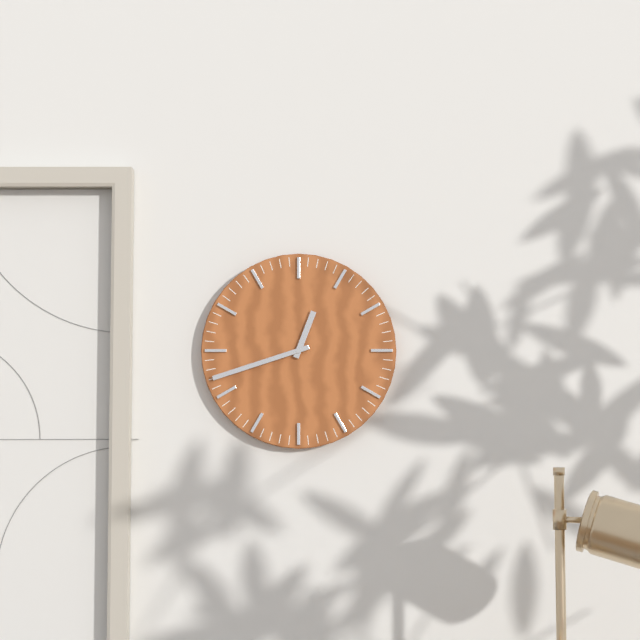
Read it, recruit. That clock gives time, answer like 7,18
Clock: 12,42
